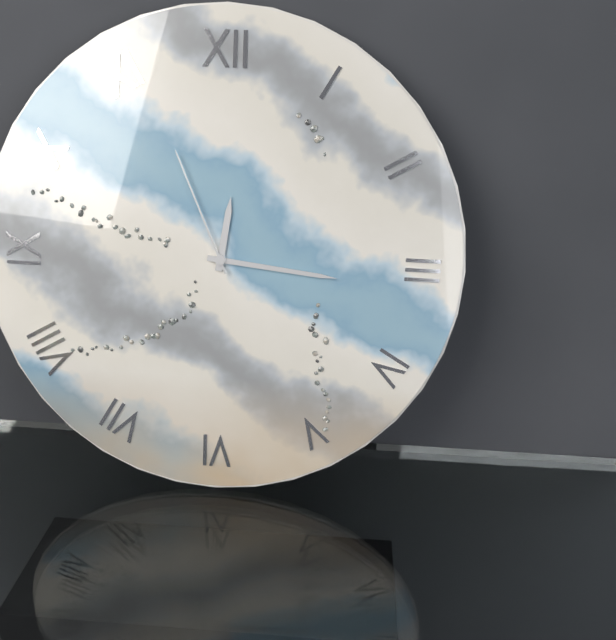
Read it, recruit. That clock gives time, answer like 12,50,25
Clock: 12,16,56
